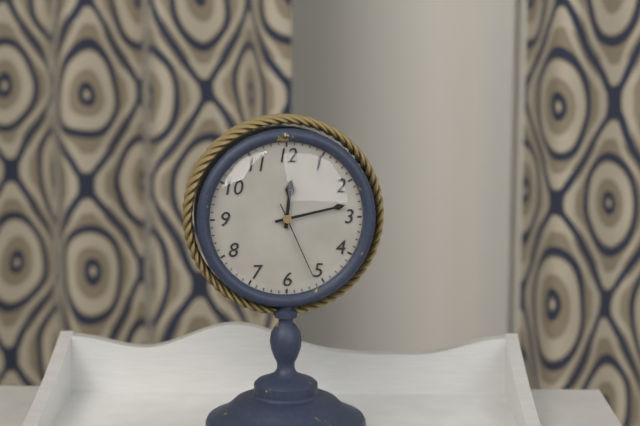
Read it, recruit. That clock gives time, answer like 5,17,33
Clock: 12,13,26
